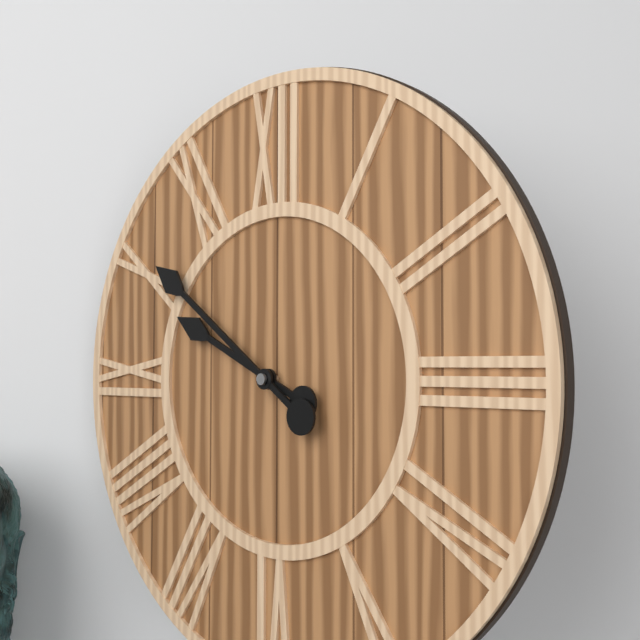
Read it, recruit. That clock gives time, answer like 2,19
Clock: 9,51
